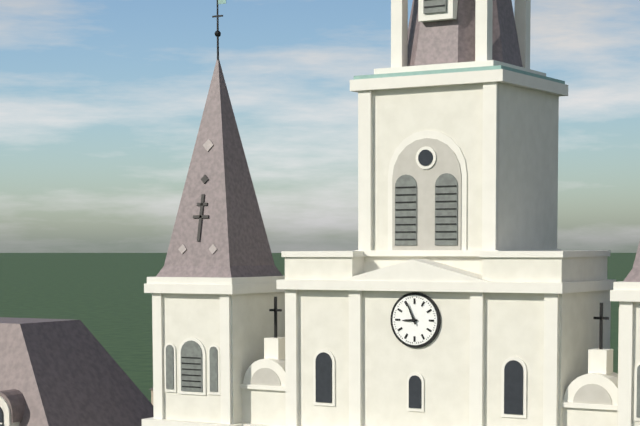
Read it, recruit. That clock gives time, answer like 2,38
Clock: 8,56
